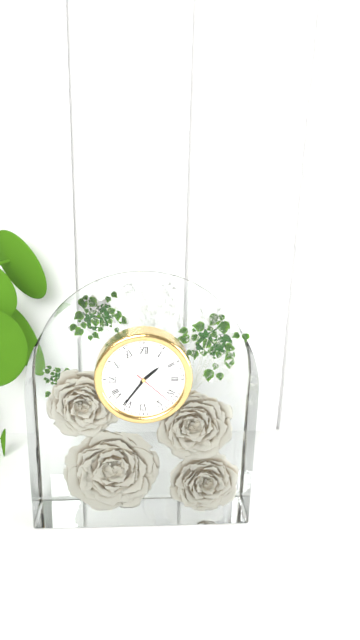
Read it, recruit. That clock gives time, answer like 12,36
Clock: 1,36
